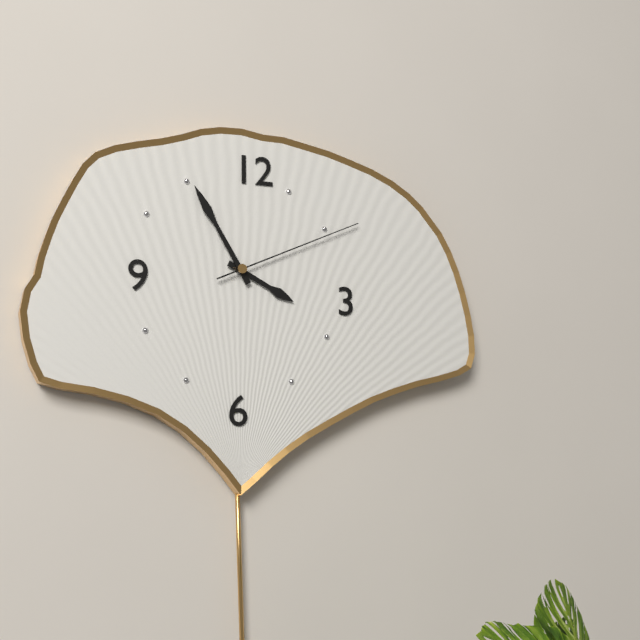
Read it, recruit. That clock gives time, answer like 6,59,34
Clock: 3,55,11
